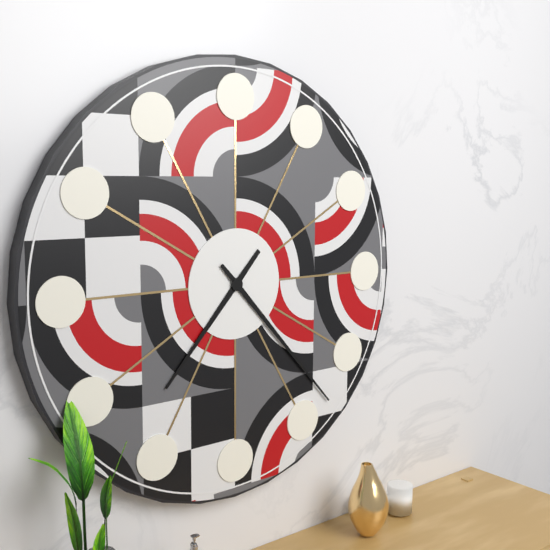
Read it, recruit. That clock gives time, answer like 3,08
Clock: 7,23
